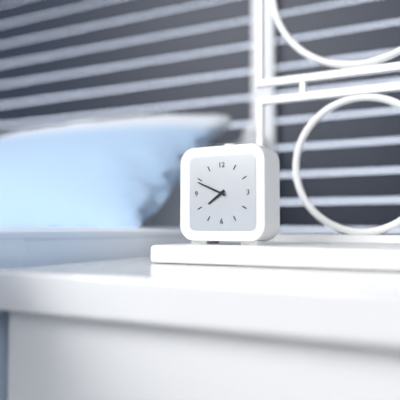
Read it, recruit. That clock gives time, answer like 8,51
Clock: 7,49
